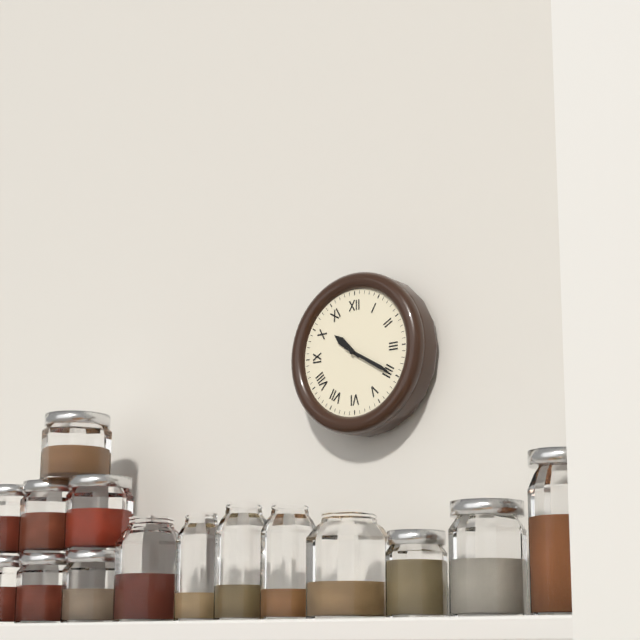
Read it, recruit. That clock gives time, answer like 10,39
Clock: 10,20
